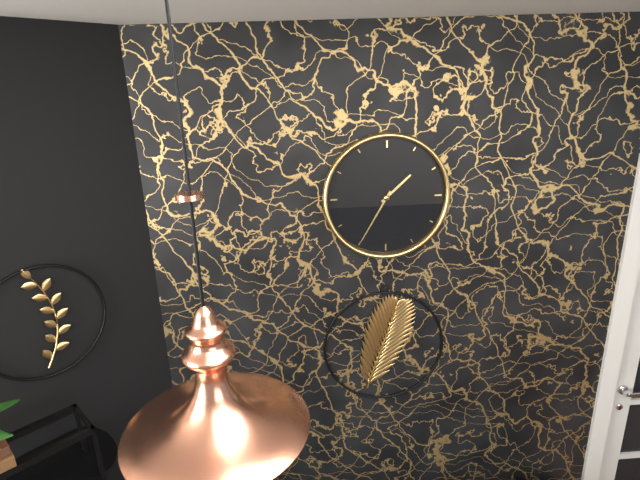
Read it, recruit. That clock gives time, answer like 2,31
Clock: 1,35
